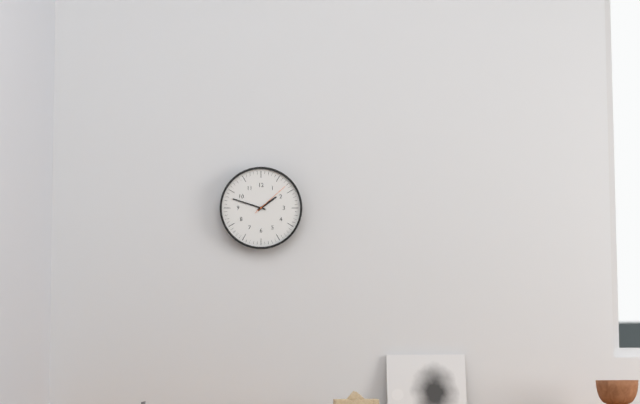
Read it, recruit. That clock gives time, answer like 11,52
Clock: 1,48
